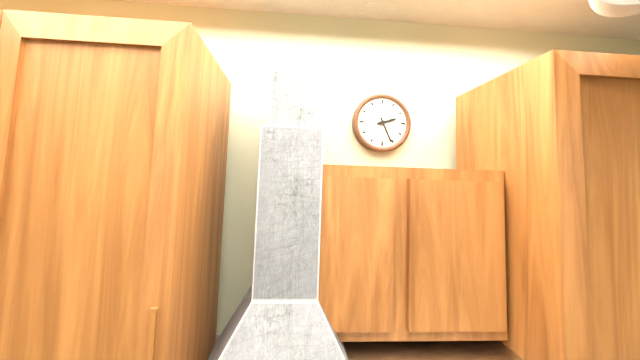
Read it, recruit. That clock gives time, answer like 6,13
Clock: 2,26
